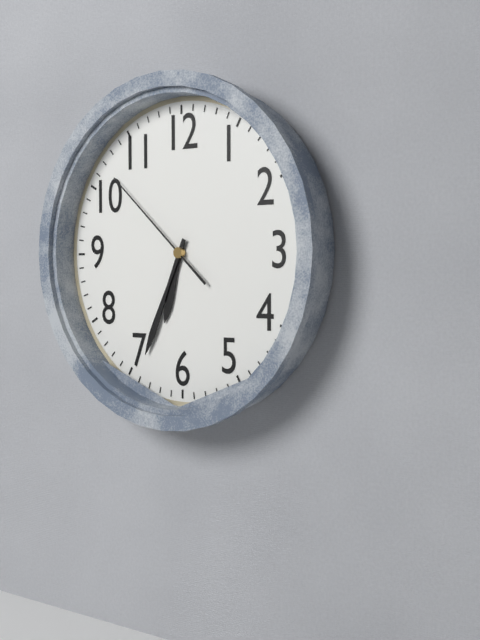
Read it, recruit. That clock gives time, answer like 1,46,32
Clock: 6,34,52
